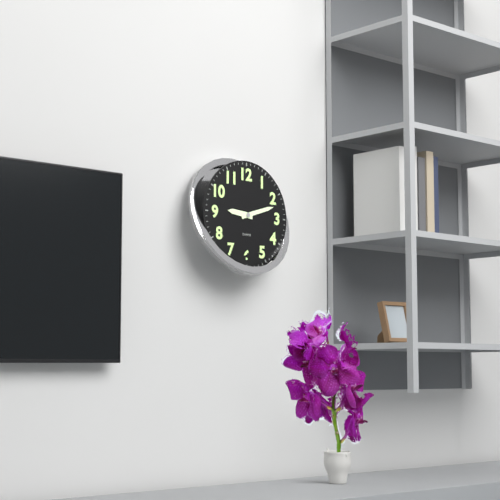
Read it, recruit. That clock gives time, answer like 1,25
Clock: 9,12
